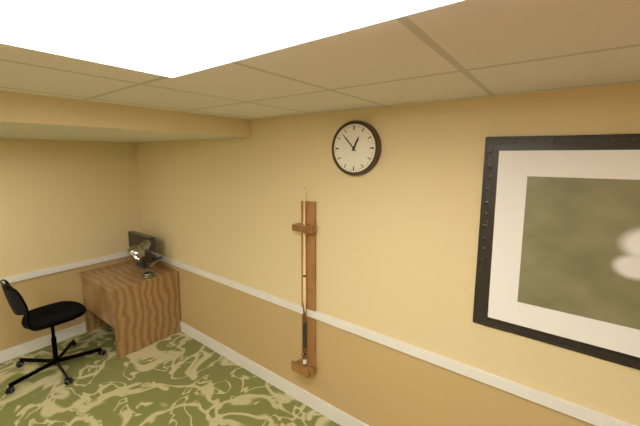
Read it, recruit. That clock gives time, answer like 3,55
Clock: 12,53
